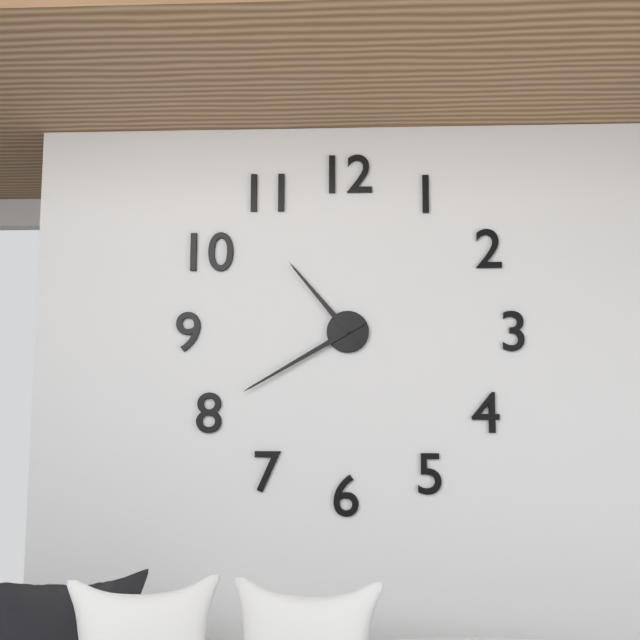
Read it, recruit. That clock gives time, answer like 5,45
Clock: 10,40
